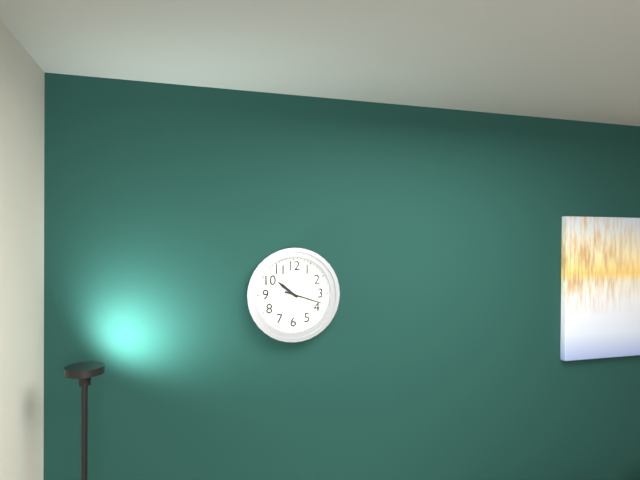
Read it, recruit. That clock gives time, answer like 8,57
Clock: 10,18
